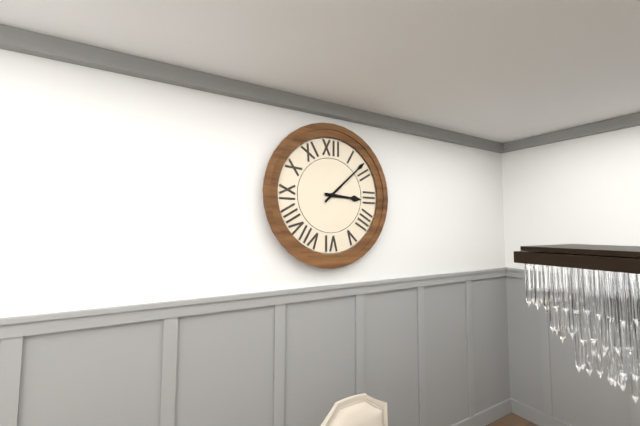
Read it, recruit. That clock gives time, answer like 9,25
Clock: 3,08
